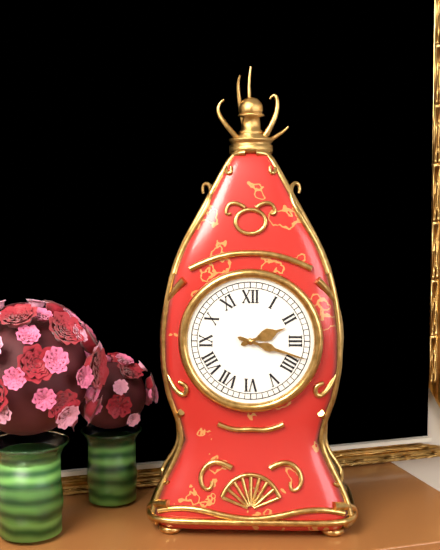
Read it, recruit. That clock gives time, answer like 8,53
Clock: 2,18
